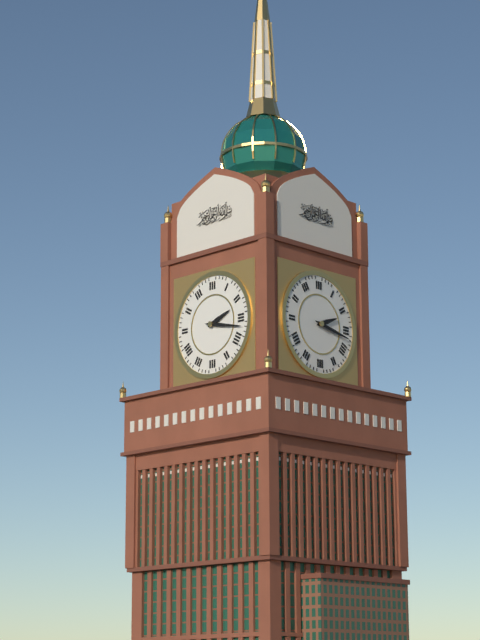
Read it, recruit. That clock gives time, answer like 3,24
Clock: 2,17
